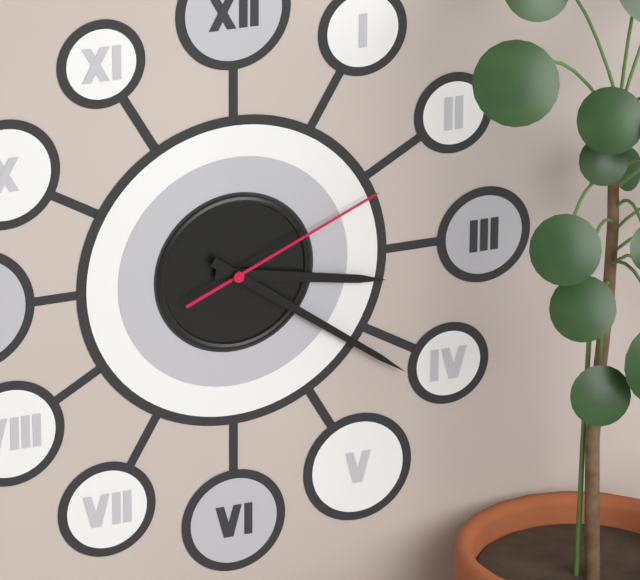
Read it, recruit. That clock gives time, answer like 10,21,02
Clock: 3,21,11
